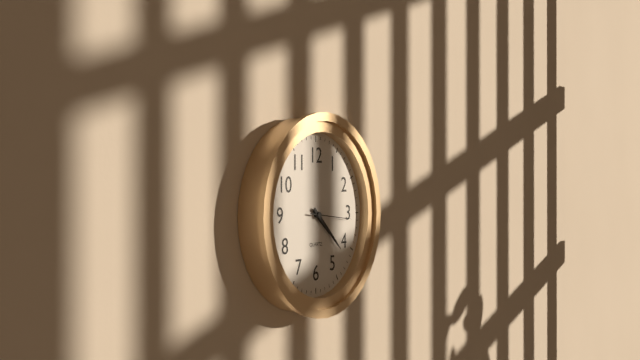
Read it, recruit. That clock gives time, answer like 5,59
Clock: 4,22
